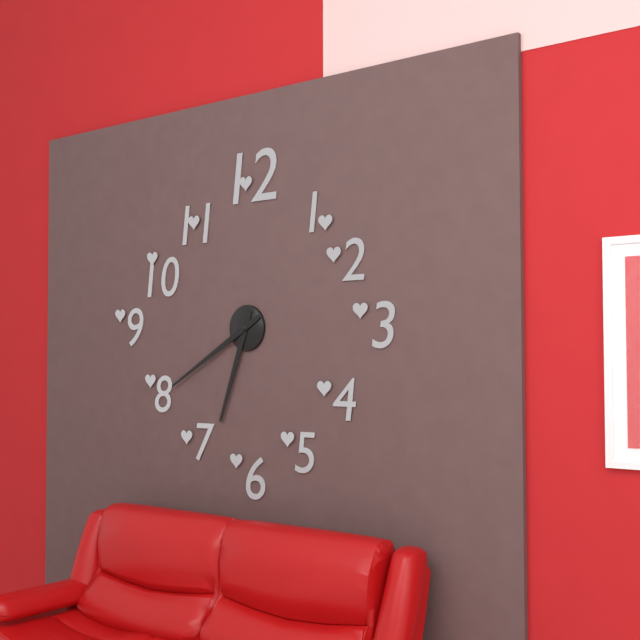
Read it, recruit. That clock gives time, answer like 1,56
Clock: 6,40
